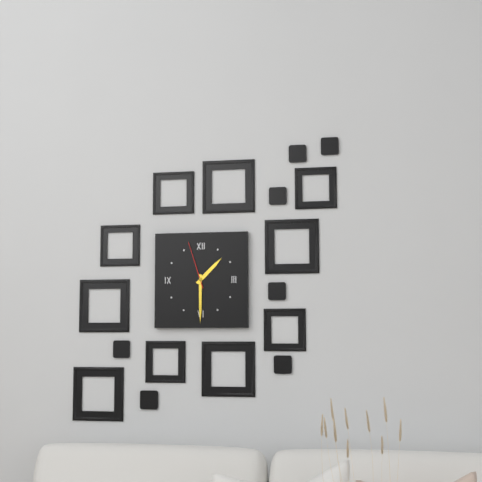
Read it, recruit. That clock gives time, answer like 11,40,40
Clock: 1,30,57
